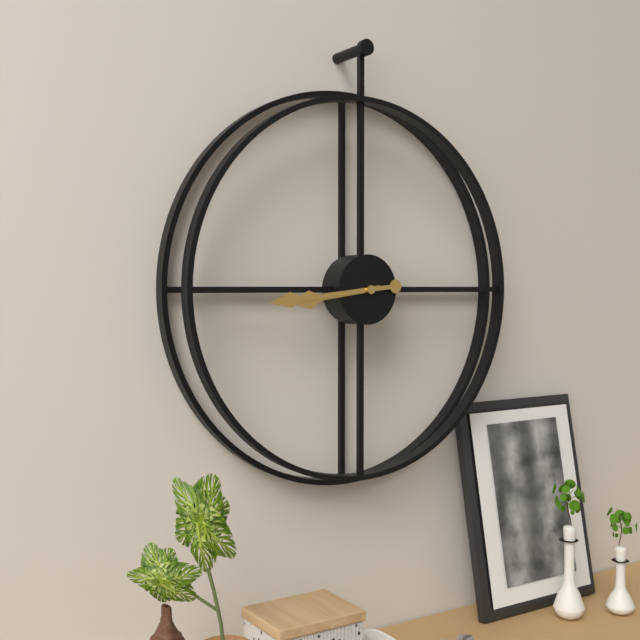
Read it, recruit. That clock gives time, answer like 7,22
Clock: 8,44
